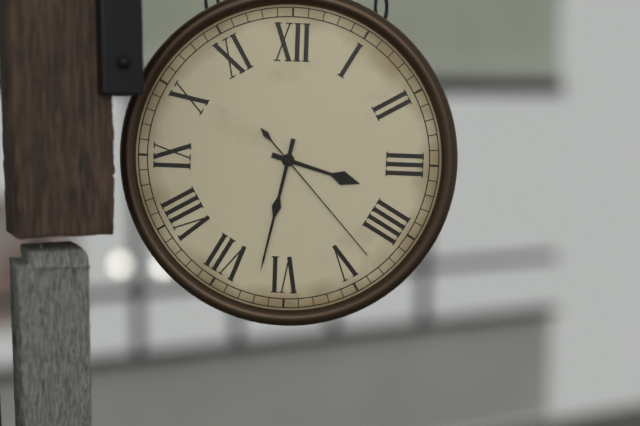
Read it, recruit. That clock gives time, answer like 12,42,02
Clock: 3,32,23
